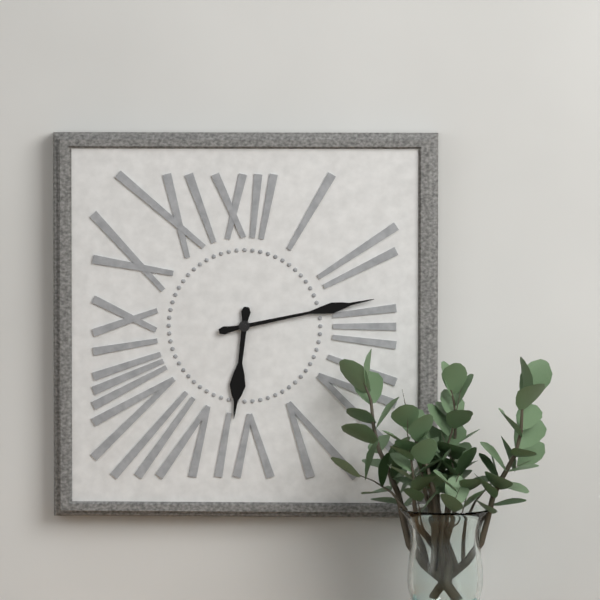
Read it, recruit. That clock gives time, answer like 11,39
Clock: 6,13
